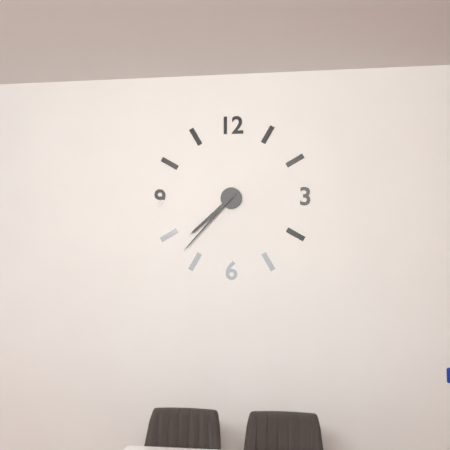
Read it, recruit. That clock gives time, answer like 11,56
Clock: 7,37
